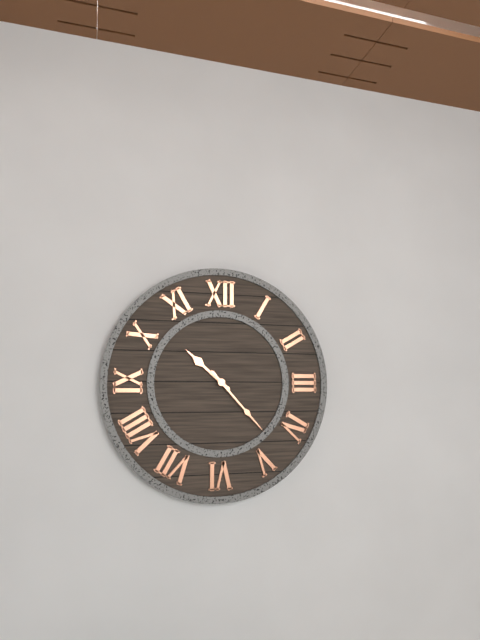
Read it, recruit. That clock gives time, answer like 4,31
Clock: 10,23
